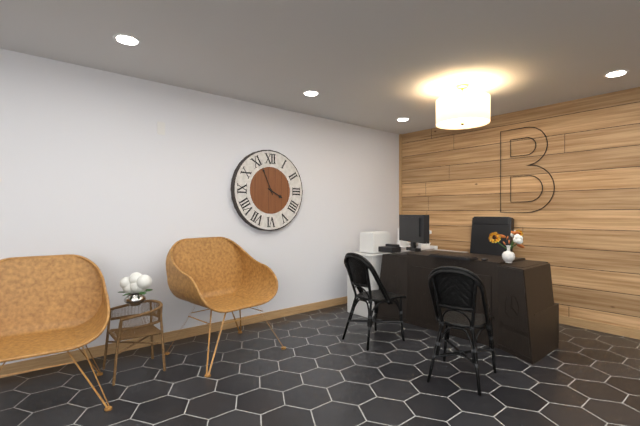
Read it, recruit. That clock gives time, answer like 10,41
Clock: 3,56
